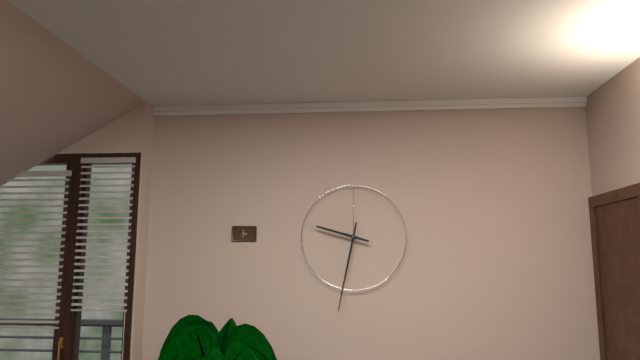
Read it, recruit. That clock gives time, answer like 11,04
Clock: 9,32
